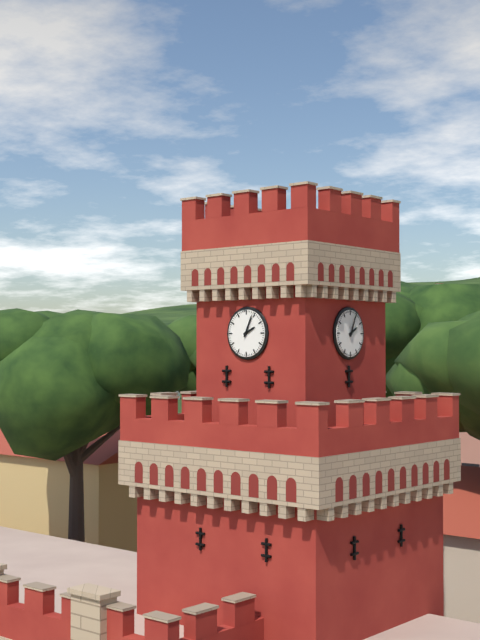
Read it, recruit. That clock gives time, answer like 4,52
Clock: 2,04
